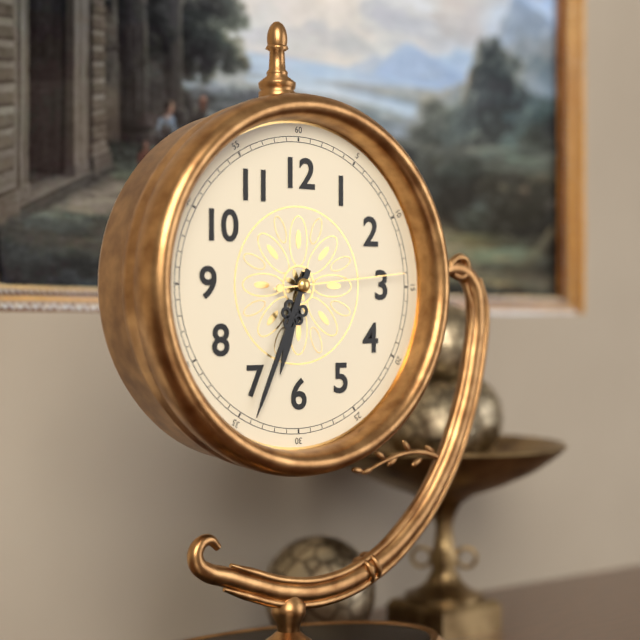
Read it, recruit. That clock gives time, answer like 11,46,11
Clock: 6,34,14
